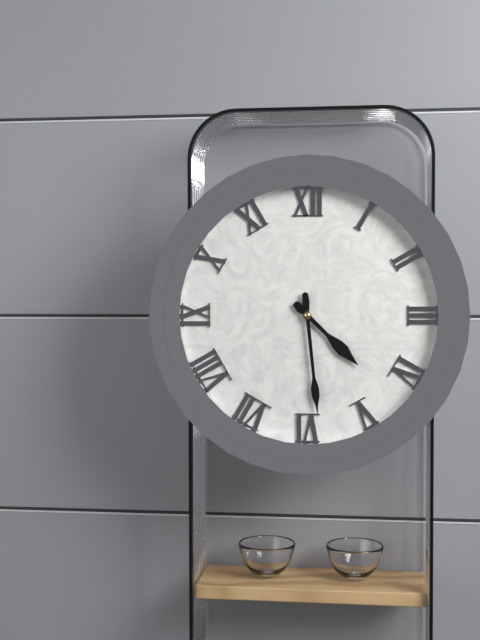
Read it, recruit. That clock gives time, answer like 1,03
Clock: 4,29
